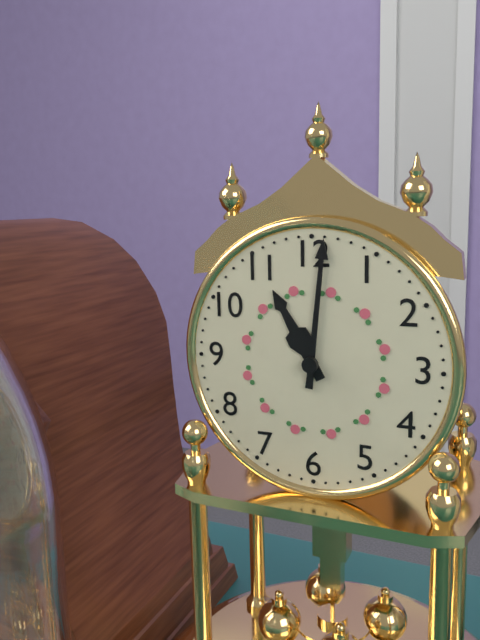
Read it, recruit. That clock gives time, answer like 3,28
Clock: 11,01
